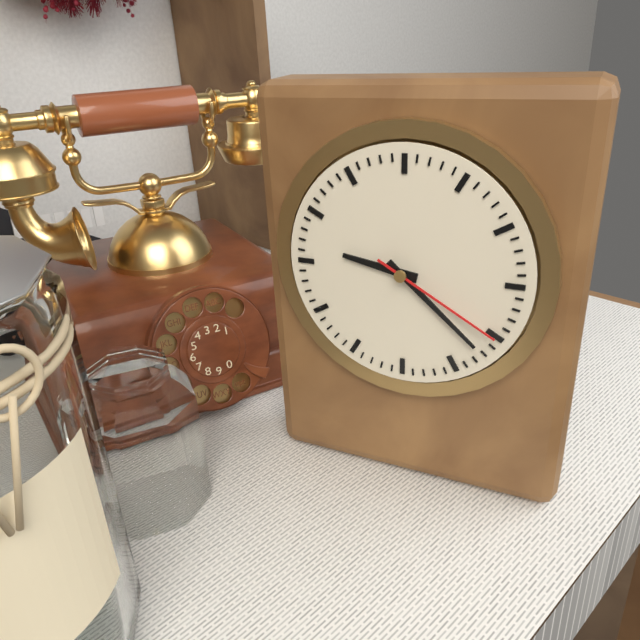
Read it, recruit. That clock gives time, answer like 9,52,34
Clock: 9,22,20
